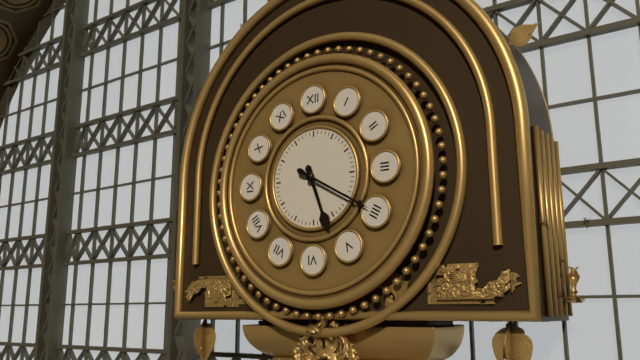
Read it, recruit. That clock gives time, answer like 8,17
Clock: 5,20
